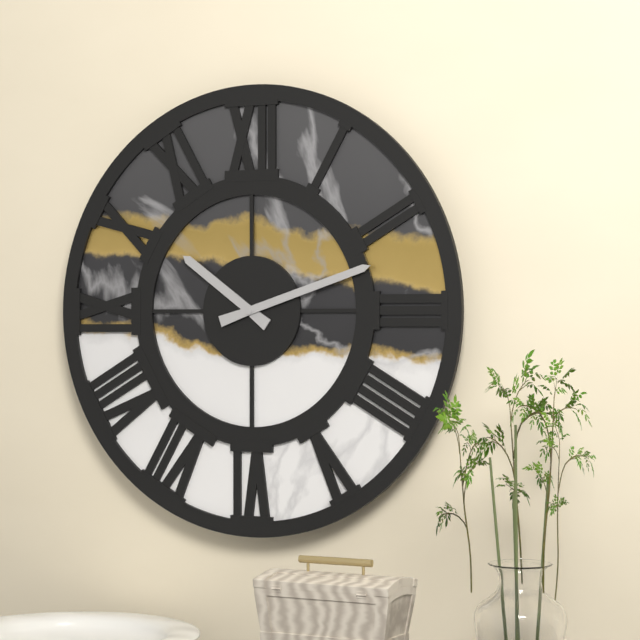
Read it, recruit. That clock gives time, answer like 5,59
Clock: 10,12
